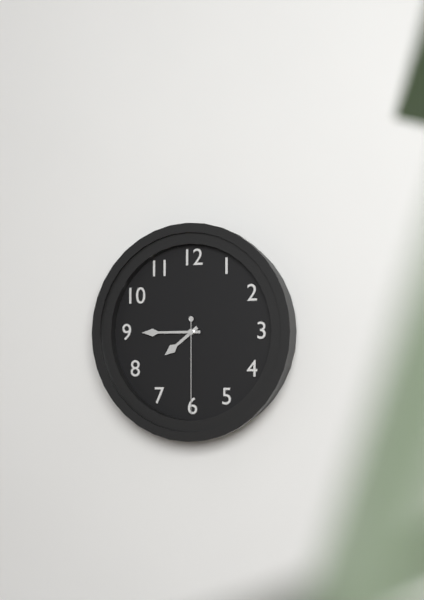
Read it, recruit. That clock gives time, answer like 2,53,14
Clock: 7,45,30
